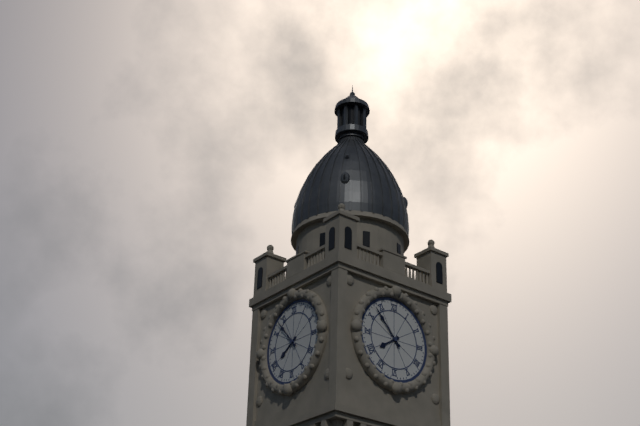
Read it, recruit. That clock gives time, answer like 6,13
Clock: 7,53
